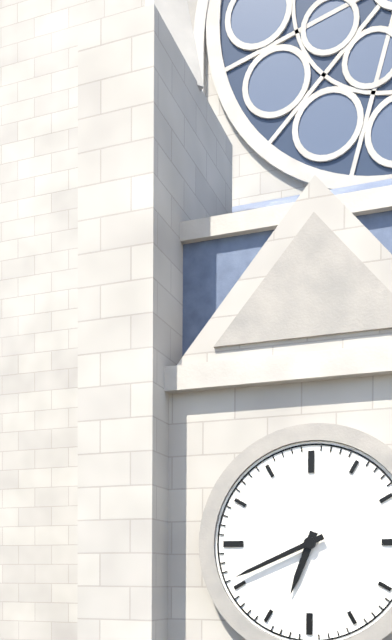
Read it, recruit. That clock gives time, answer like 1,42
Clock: 6,41
